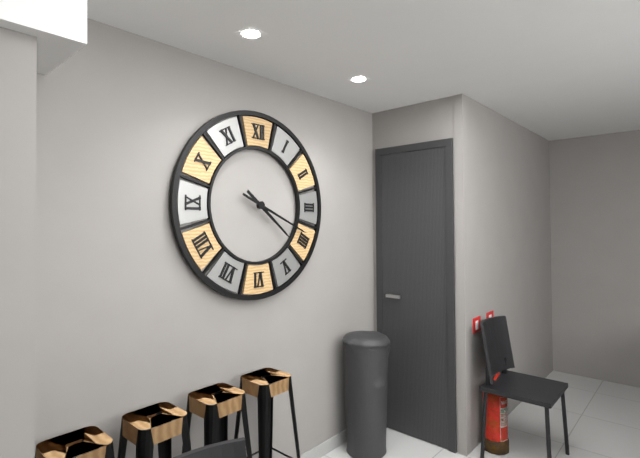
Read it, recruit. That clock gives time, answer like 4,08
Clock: 4,19
